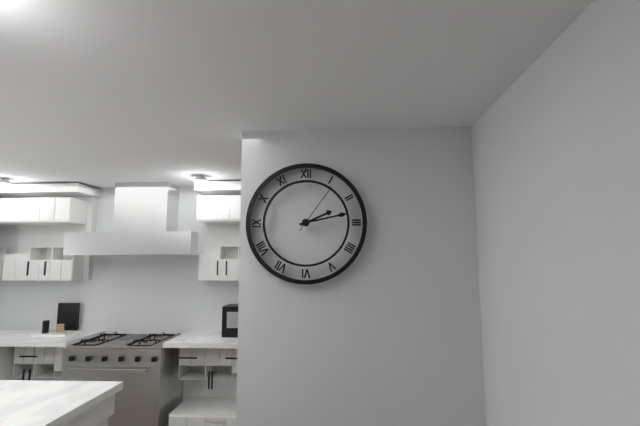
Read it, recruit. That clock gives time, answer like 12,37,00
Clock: 2,13,06
